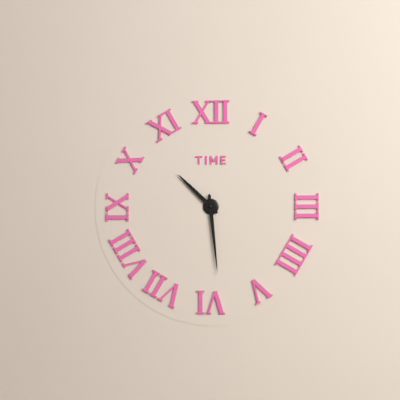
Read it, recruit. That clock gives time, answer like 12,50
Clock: 10,29
